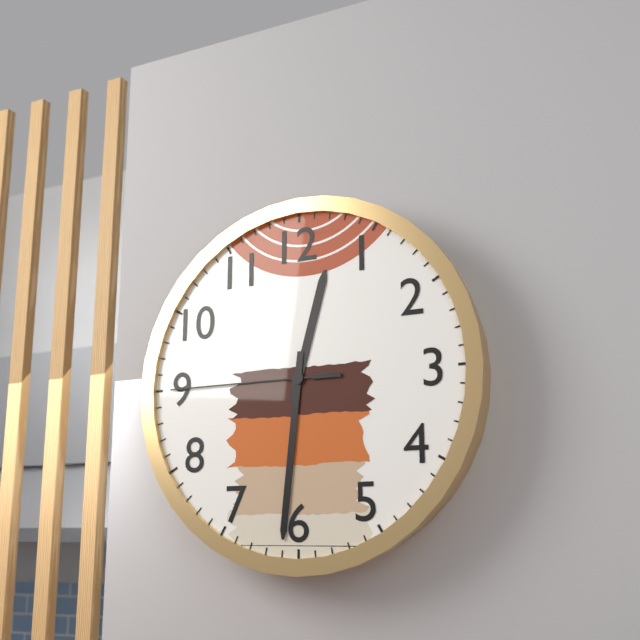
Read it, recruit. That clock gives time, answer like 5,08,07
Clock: 12,31,45
